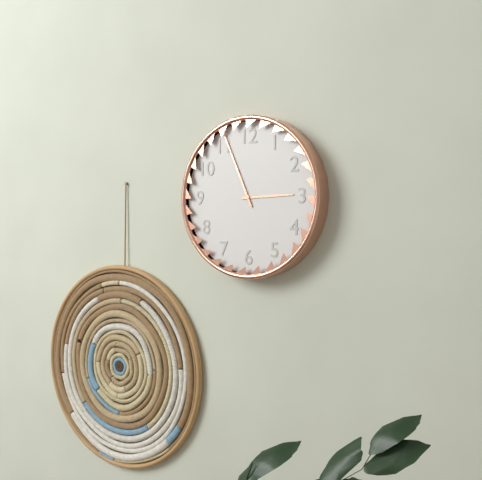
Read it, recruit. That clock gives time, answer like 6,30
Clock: 2,56
